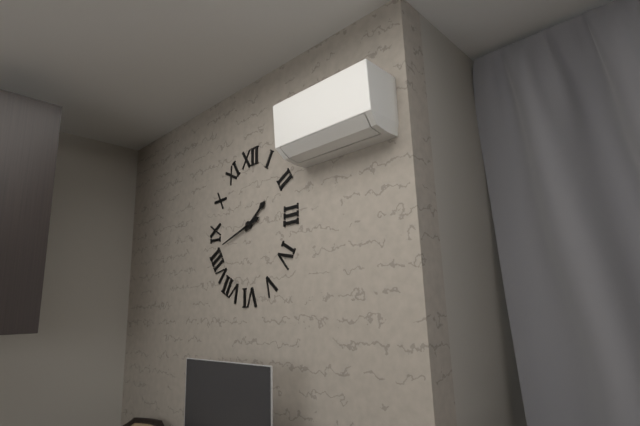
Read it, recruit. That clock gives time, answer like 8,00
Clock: 1,42
